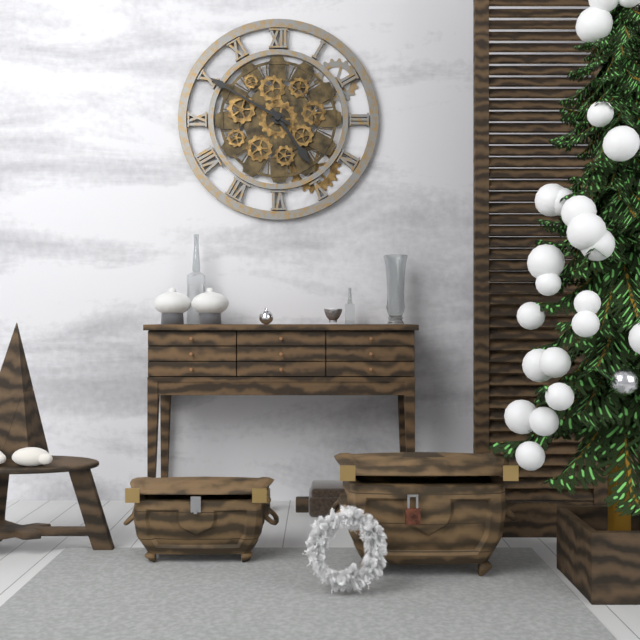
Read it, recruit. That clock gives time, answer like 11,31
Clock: 4,50
